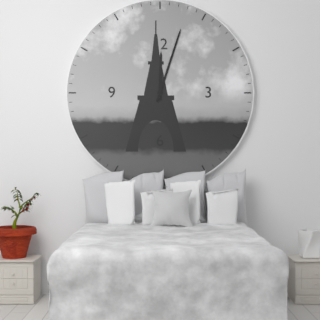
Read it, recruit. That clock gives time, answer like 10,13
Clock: 12,03
